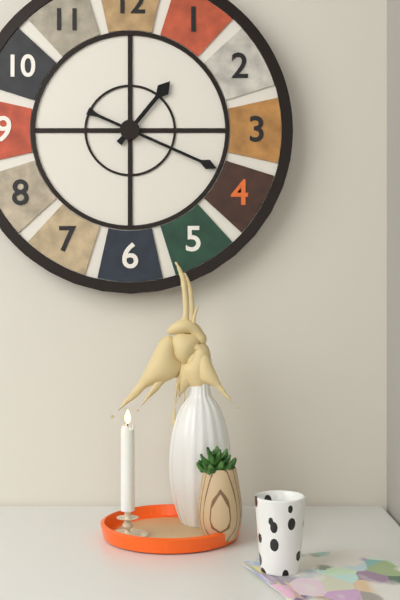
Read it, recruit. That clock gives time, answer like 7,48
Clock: 1,19
